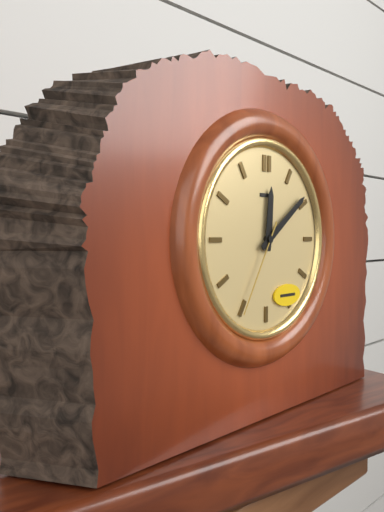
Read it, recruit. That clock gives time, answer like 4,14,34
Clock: 12,09,35
